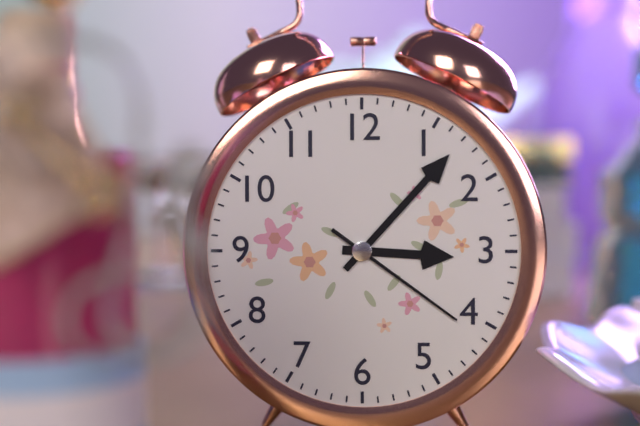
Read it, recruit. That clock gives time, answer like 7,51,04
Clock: 3,07,21
